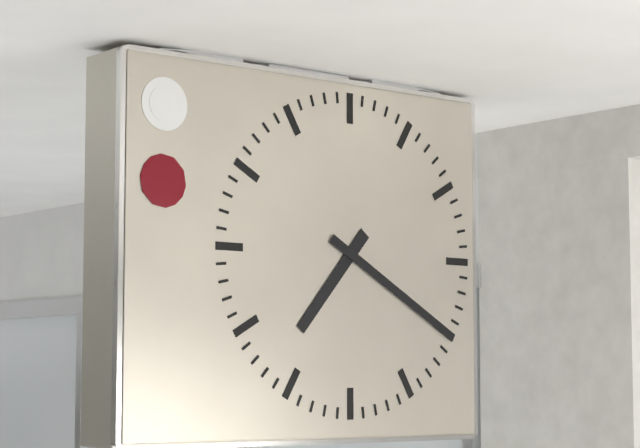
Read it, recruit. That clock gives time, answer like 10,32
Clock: 7,20
